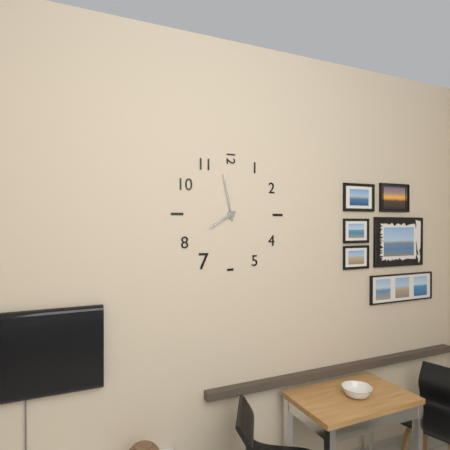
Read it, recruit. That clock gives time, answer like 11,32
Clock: 7,58
